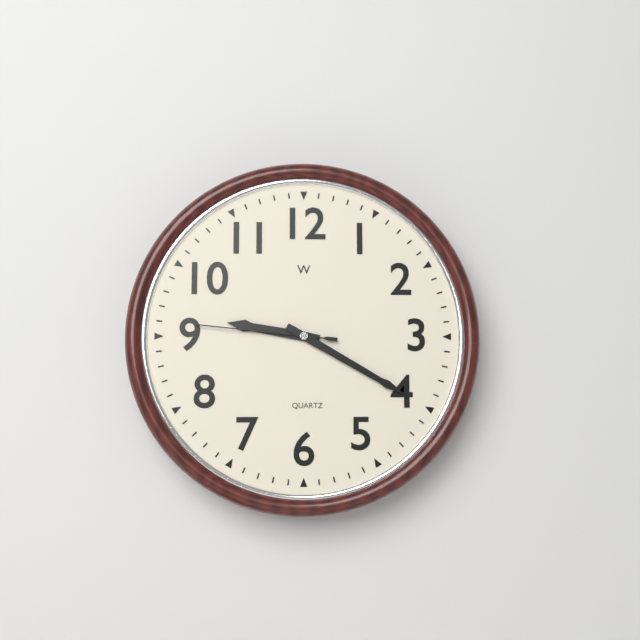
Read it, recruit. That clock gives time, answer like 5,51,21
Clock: 9,20,46
